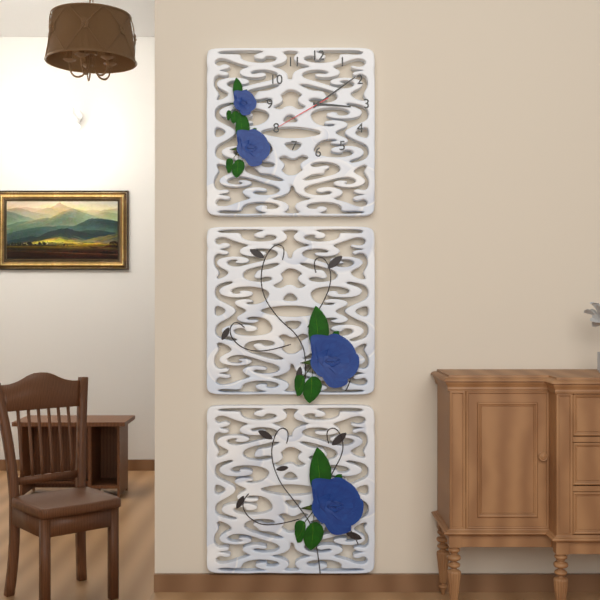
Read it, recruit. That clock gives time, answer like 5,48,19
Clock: 3,09,40
